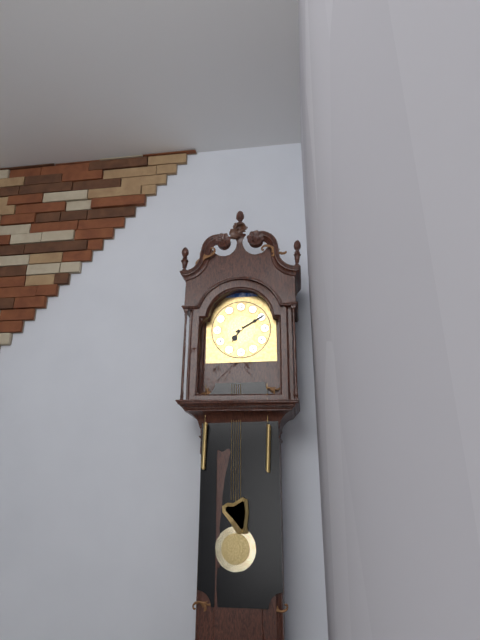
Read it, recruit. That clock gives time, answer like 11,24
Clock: 7,10
